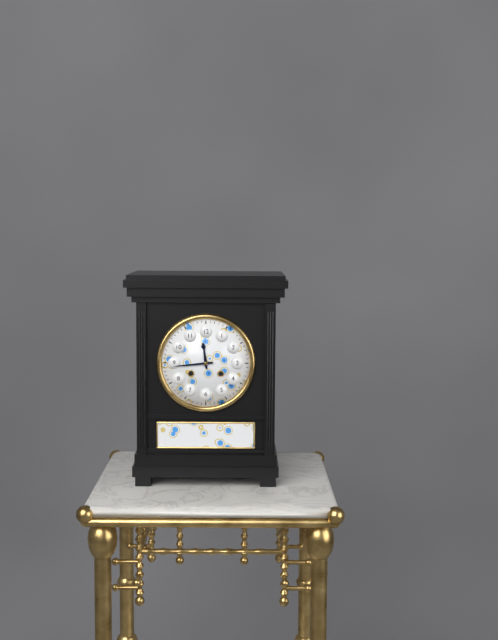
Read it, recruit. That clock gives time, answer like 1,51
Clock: 11,44
